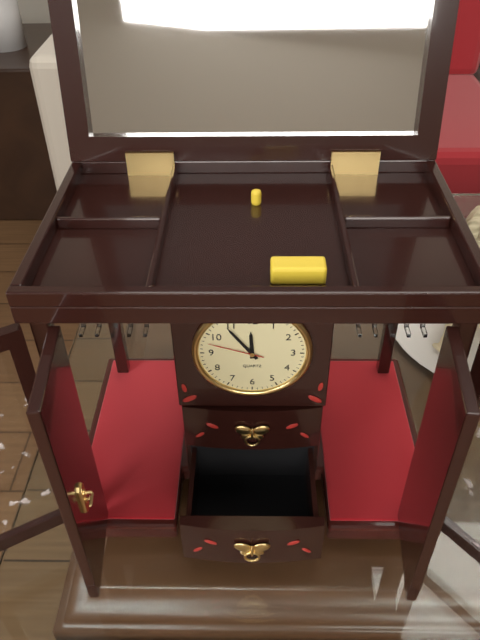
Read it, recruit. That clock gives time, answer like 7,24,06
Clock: 11,54,48
